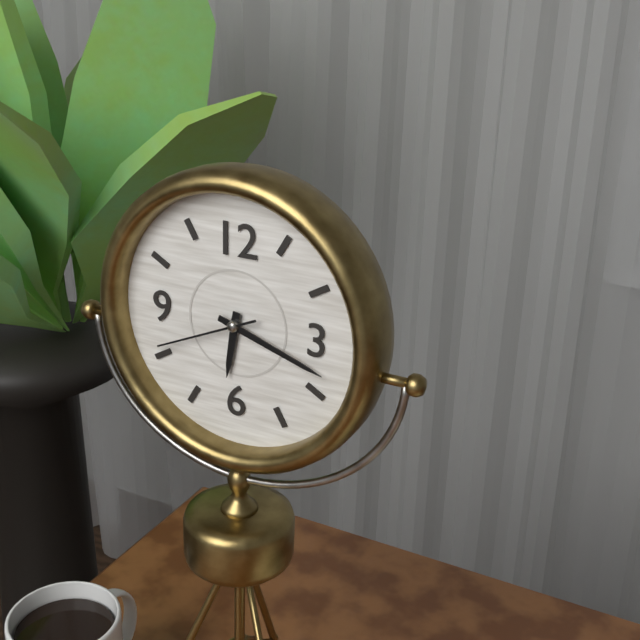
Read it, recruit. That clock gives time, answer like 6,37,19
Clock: 6,18,41
